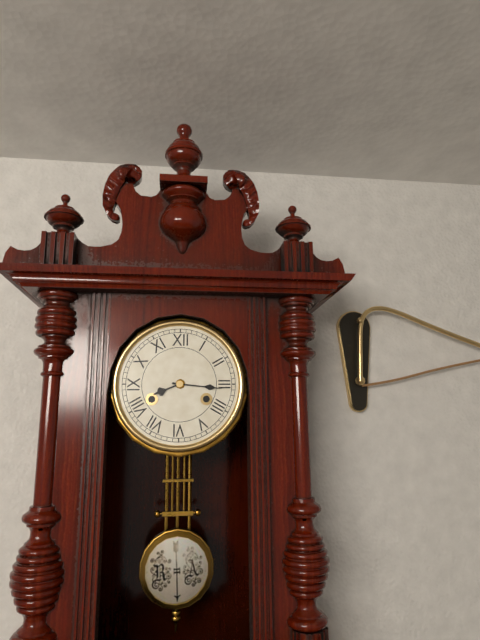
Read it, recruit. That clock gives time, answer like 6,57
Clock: 8,16
